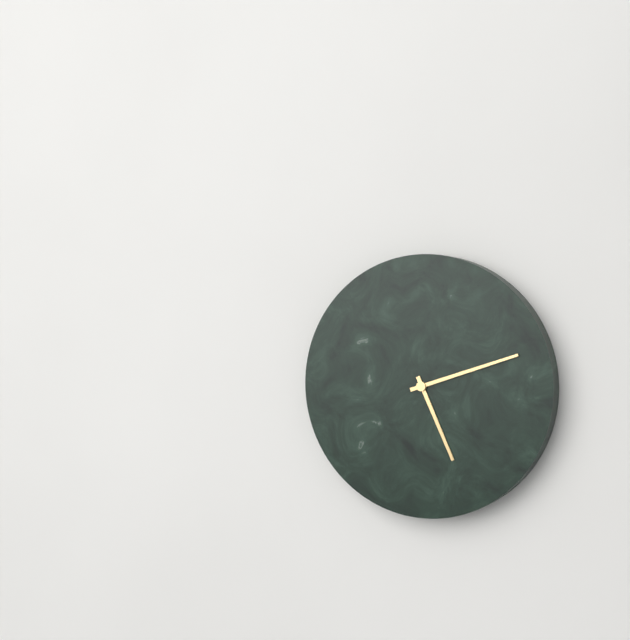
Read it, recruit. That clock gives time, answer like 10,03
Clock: 5,12
